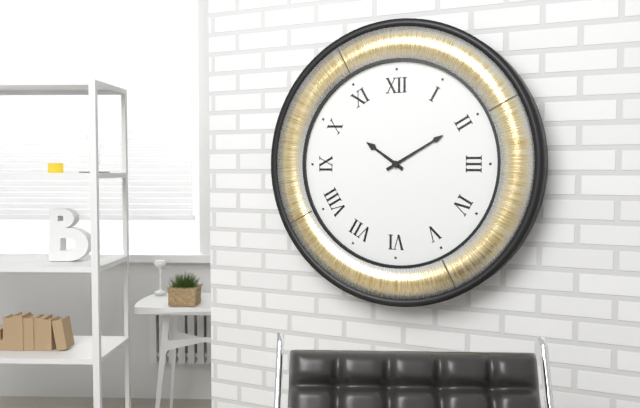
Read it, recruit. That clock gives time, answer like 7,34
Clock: 10,10
